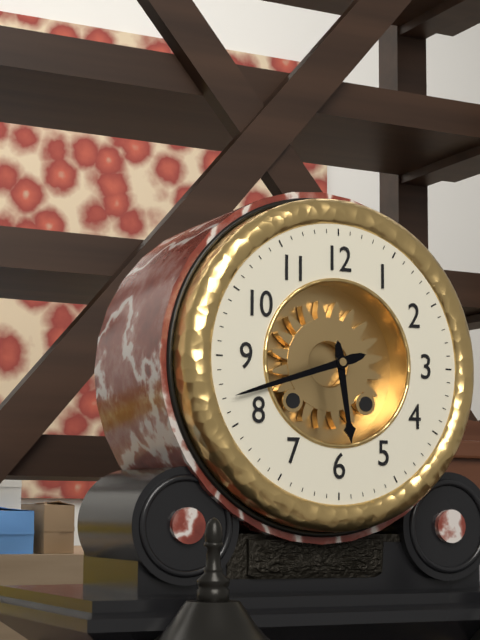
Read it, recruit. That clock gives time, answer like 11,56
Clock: 5,42
